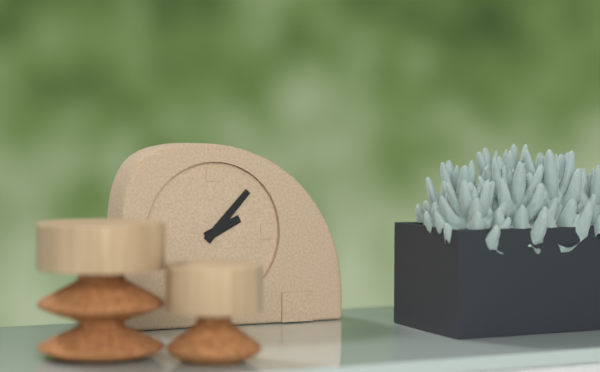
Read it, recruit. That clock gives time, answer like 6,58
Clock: 2,07
